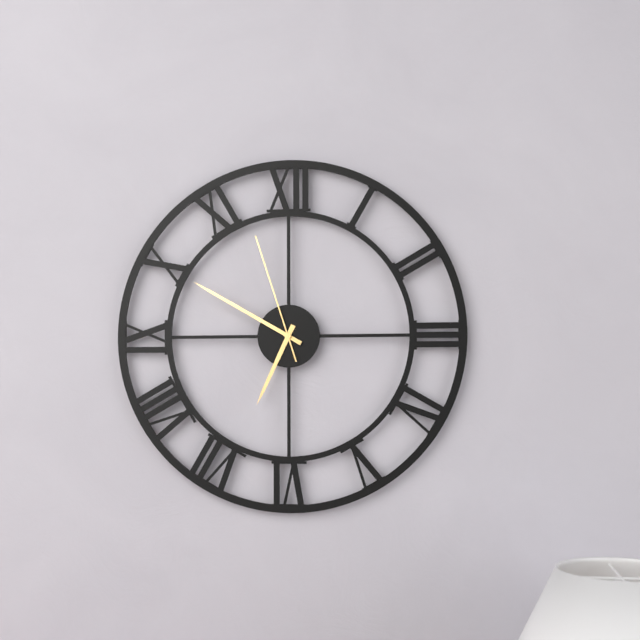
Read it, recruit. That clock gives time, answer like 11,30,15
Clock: 6,50,57
